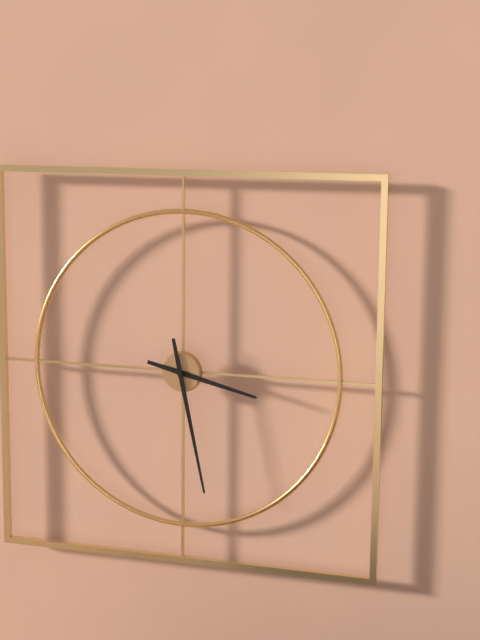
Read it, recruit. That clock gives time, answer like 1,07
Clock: 3,28
